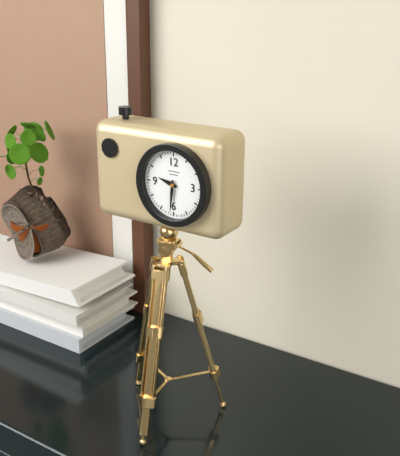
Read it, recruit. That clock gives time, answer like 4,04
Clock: 9,31
